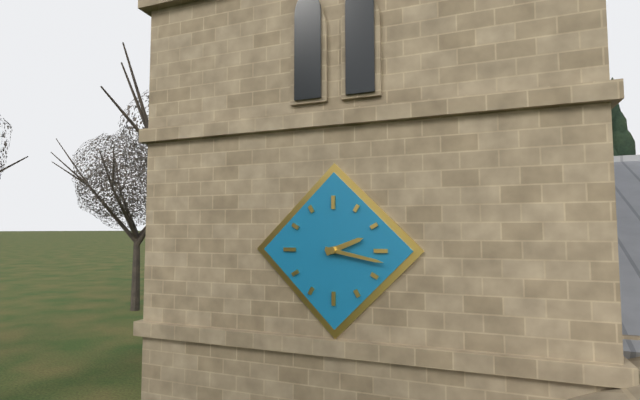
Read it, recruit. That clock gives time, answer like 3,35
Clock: 2,17
